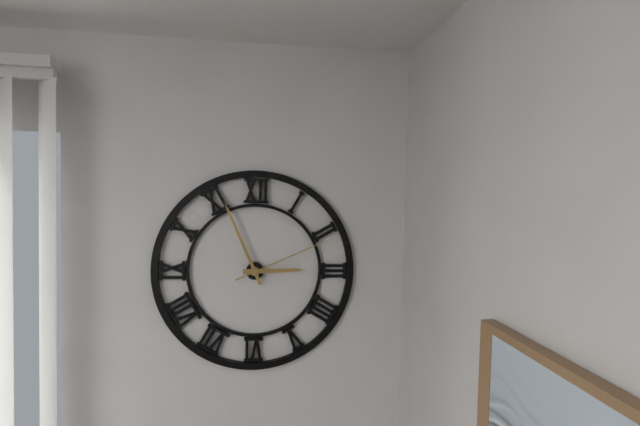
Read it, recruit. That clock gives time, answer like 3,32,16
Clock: 2,56,11
